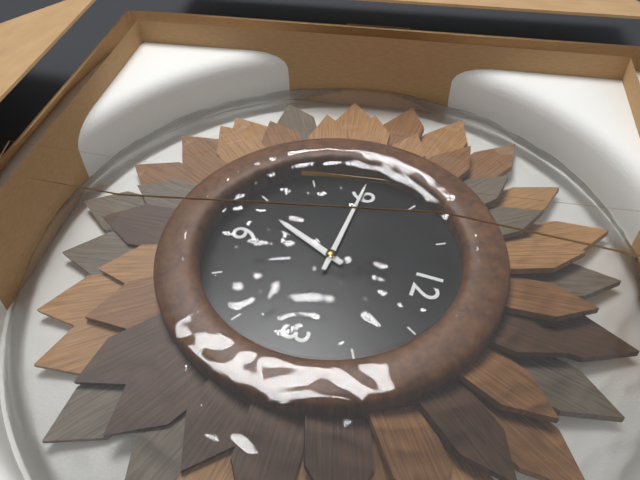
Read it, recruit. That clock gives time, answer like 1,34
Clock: 6,45
